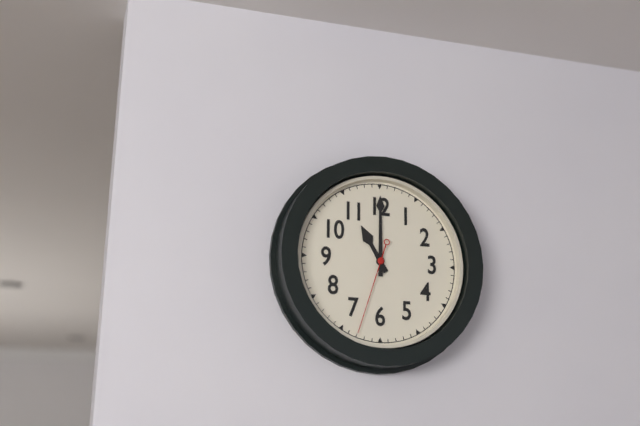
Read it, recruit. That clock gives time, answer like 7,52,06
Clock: 11,00,33
